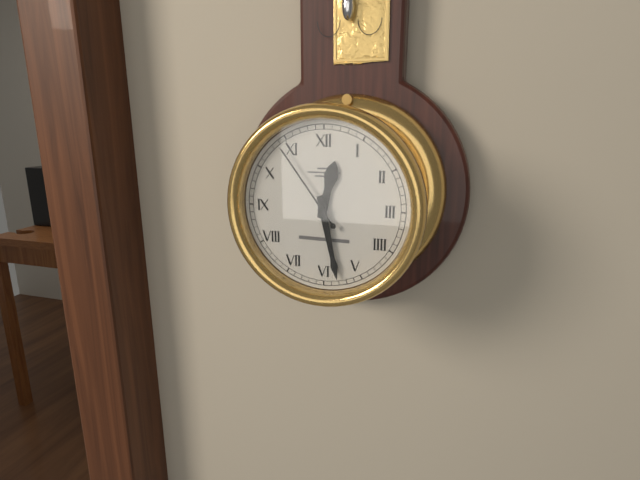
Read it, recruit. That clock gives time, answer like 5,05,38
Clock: 12,28,54
